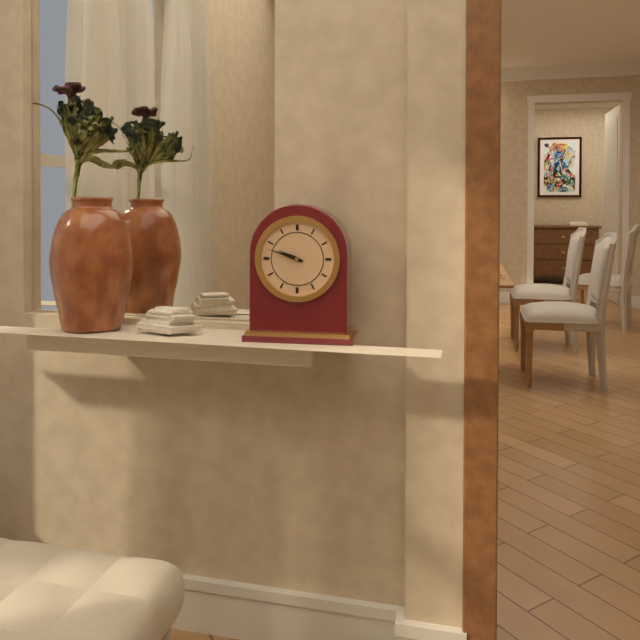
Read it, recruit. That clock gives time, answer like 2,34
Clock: 9,48
